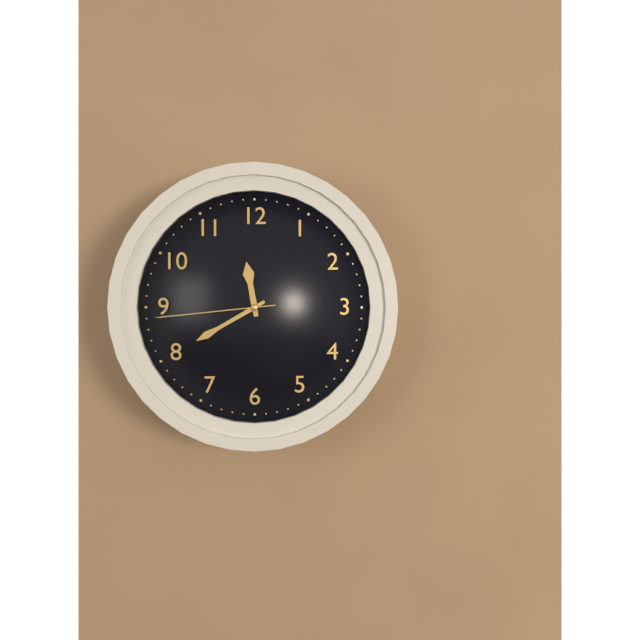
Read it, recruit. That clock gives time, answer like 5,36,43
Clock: 11,40,44
